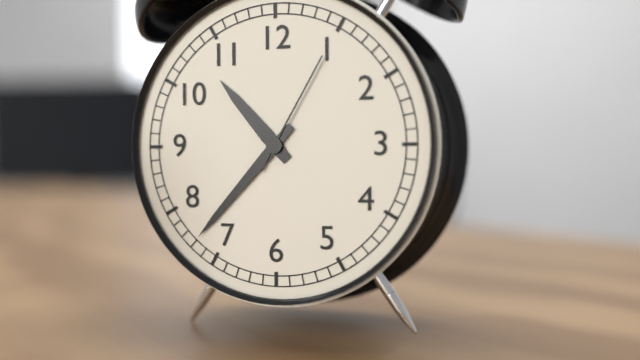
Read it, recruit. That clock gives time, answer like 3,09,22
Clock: 10,37,05
